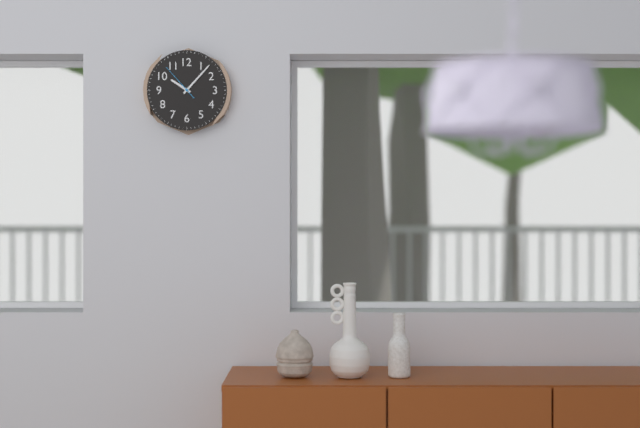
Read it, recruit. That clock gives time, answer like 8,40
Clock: 10,07
